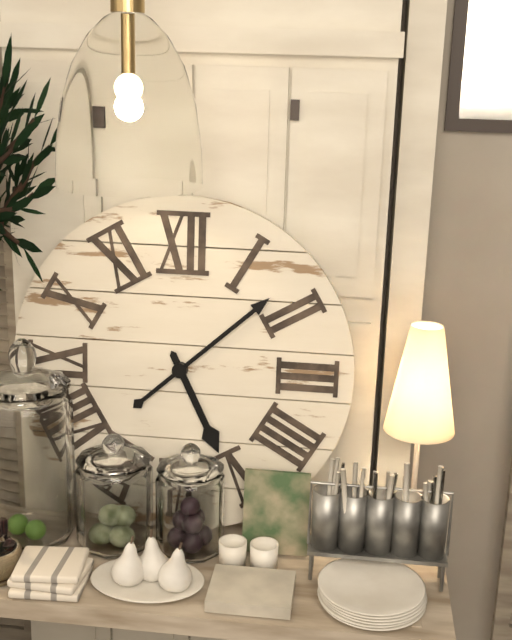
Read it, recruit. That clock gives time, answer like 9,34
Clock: 5,08
